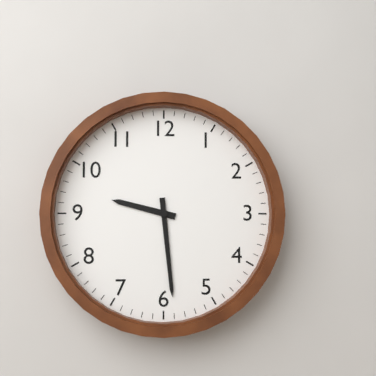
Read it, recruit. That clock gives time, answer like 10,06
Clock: 9,29
